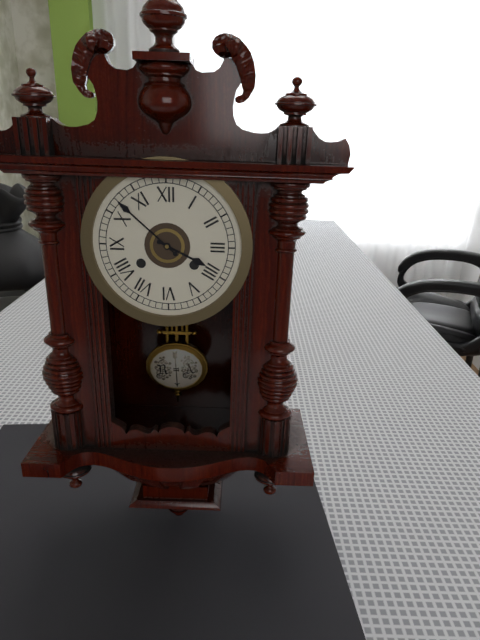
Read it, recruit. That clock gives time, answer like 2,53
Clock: 3,52
